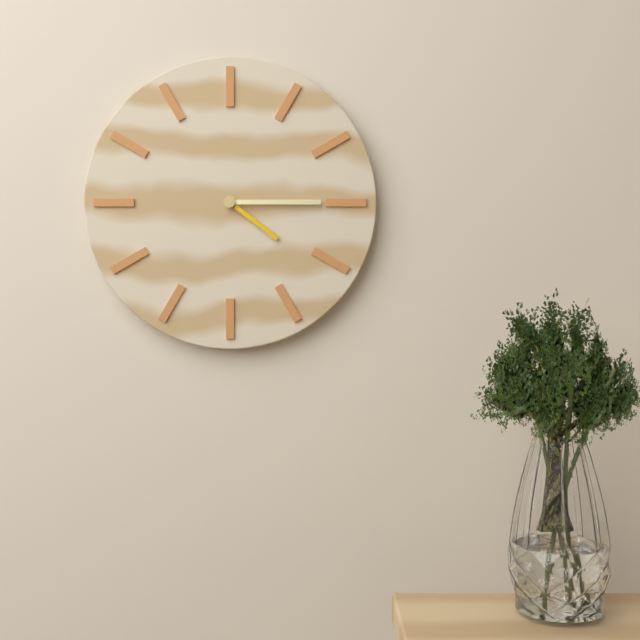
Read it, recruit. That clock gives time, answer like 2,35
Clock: 4,15
